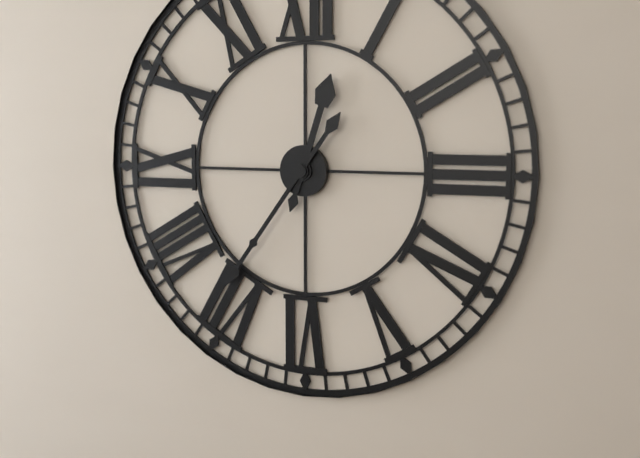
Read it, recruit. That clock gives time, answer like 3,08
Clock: 12,36
